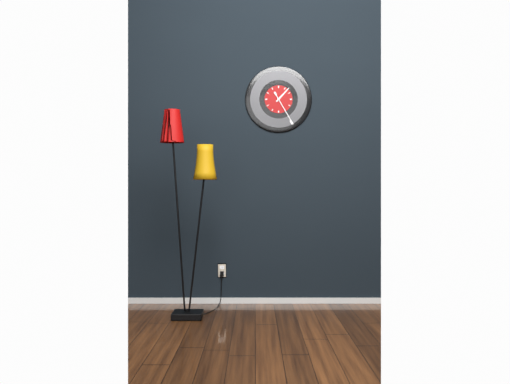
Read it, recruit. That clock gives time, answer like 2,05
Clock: 1,25
